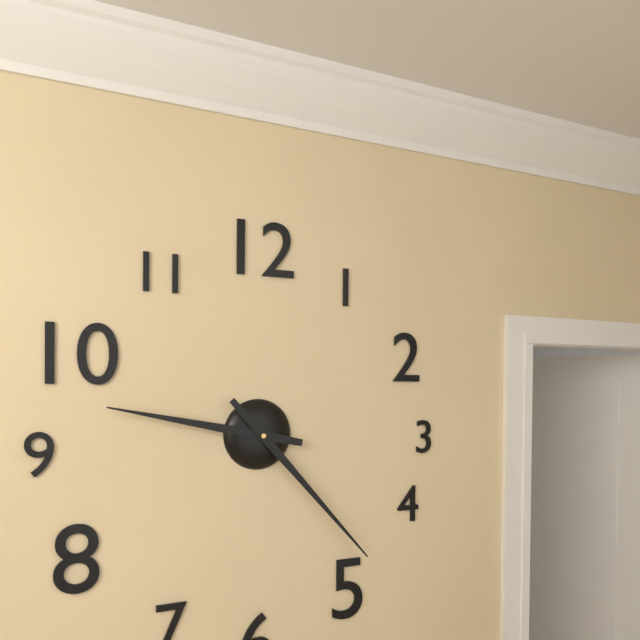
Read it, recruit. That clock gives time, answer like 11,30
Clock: 9,23
